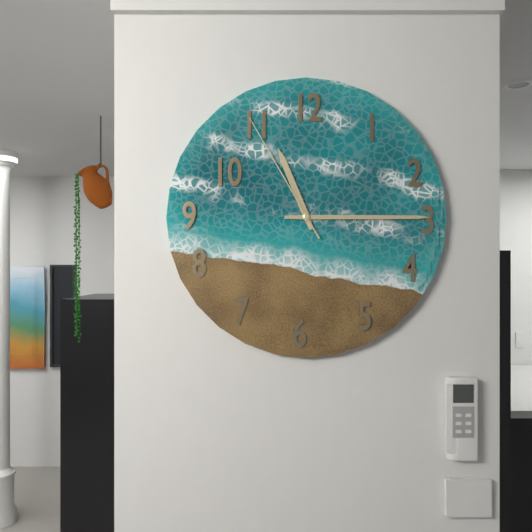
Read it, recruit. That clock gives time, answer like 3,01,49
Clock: 11,15,55
